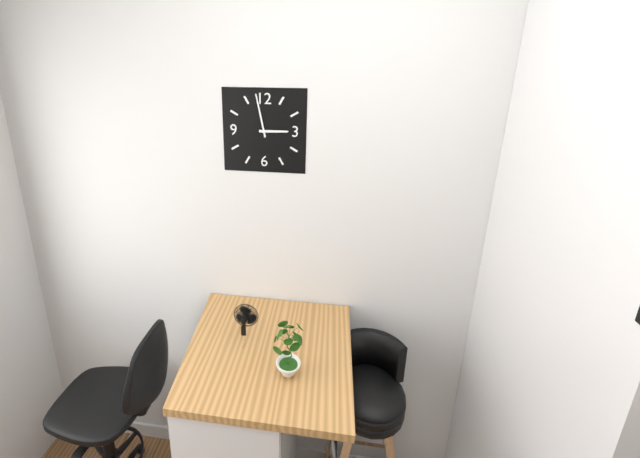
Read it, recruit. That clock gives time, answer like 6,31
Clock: 2,58
